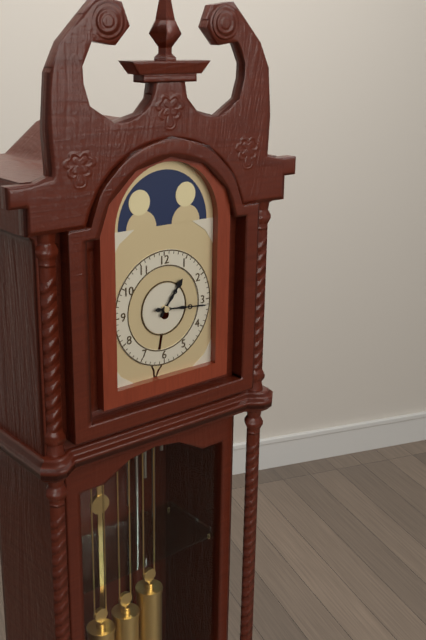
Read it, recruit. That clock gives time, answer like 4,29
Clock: 1,16
